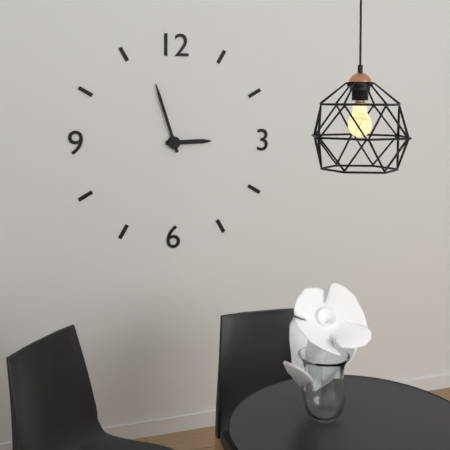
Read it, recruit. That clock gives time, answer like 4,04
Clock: 2,57
